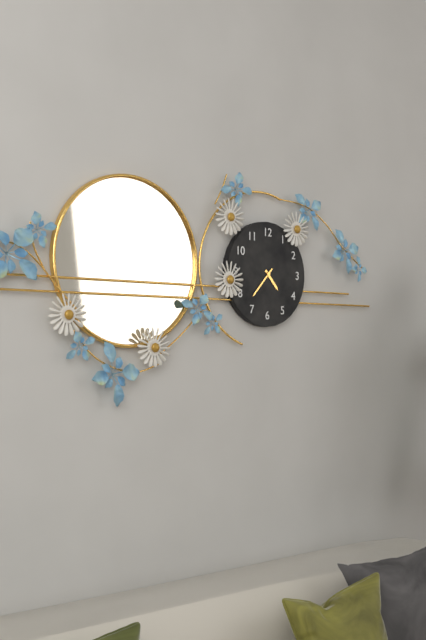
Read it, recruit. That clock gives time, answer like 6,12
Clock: 4,37
